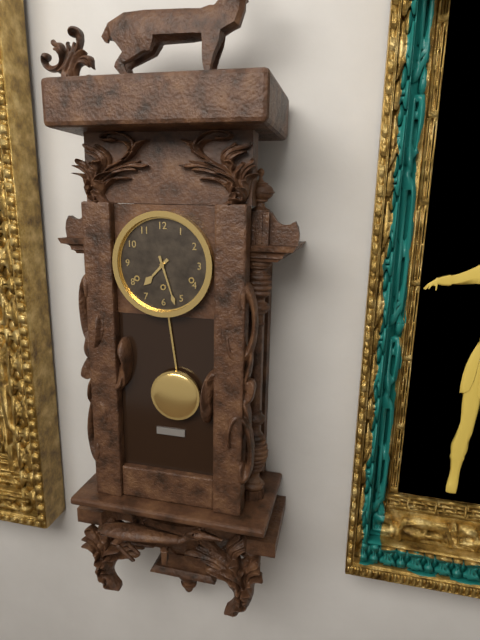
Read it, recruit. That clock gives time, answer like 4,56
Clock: 7,27
